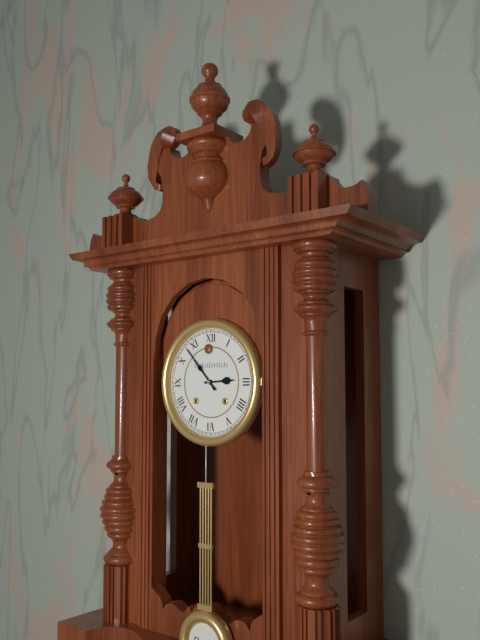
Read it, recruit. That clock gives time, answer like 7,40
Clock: 2,53
